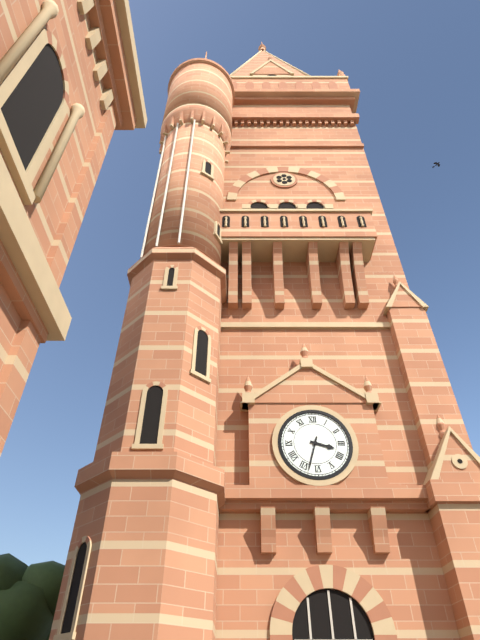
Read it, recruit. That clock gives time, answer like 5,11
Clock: 3,33
